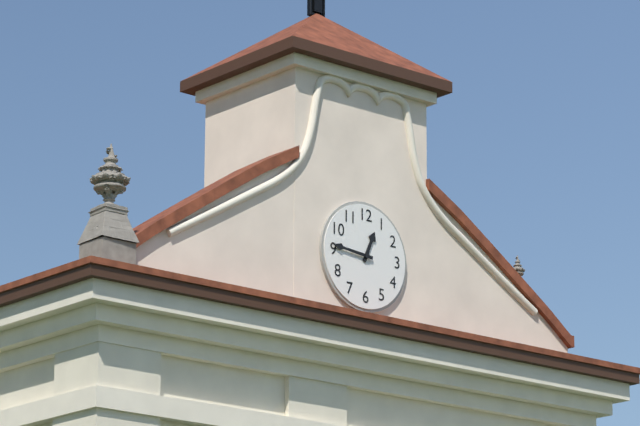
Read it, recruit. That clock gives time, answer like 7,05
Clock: 12,46
